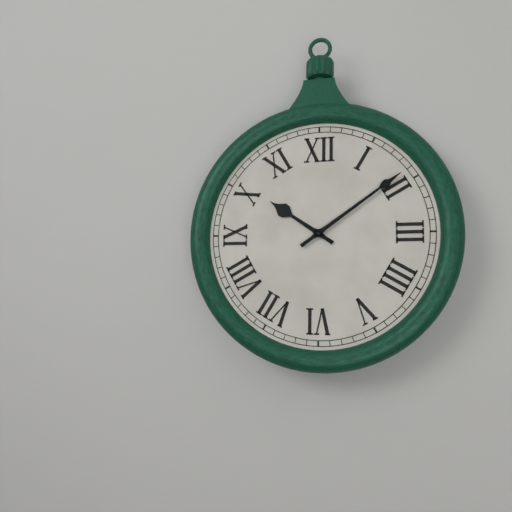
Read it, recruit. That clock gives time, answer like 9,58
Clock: 10,09
